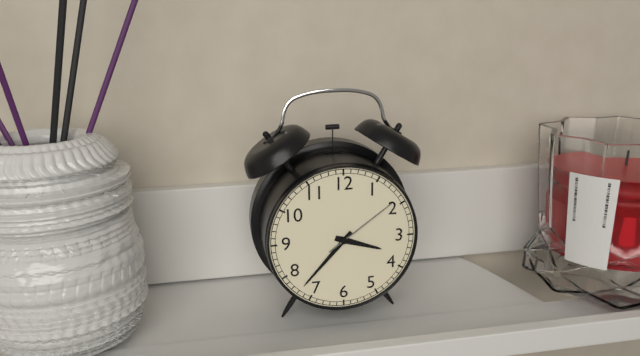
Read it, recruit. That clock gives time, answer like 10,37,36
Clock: 3,37,09
